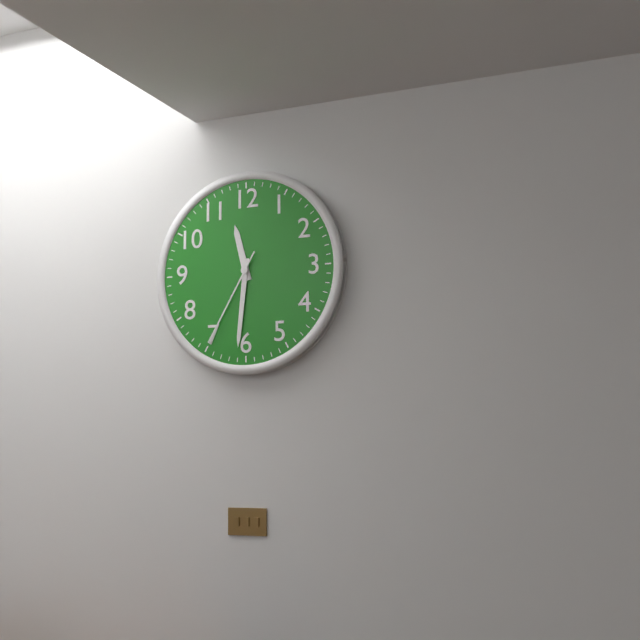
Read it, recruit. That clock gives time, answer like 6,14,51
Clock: 11,31,35
